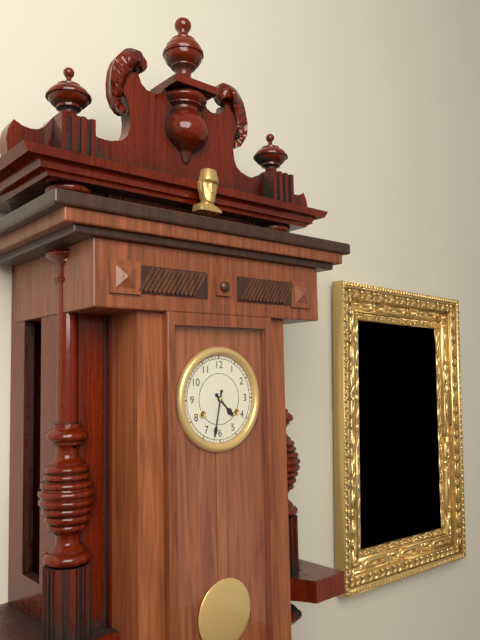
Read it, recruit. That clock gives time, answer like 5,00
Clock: 4,32
